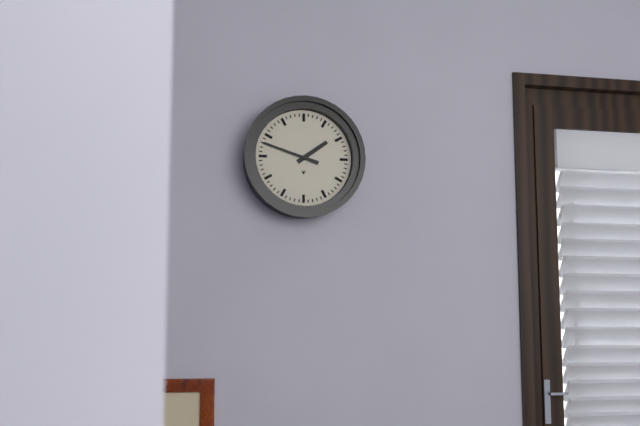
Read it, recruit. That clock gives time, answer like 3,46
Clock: 1,48
